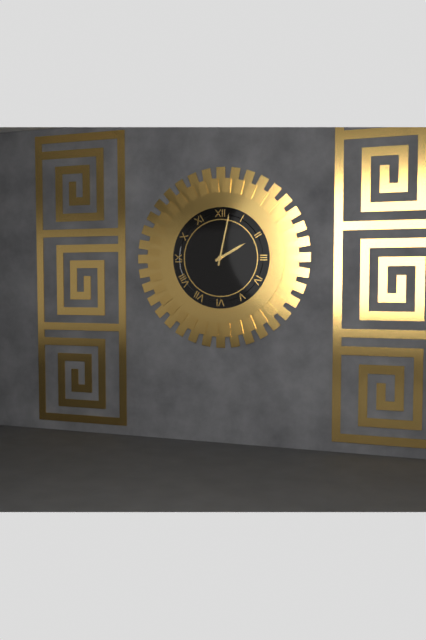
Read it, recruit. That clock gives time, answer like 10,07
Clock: 2,02
